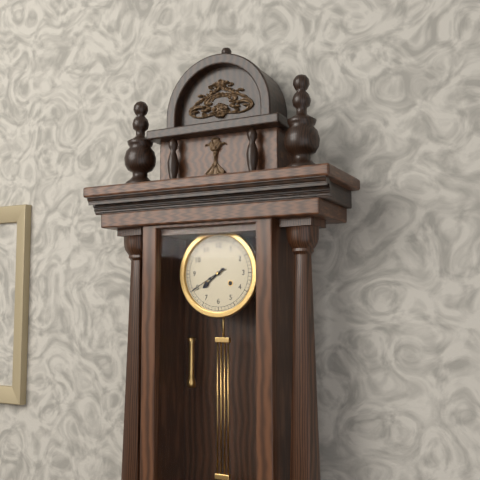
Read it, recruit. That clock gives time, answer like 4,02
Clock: 7,40
